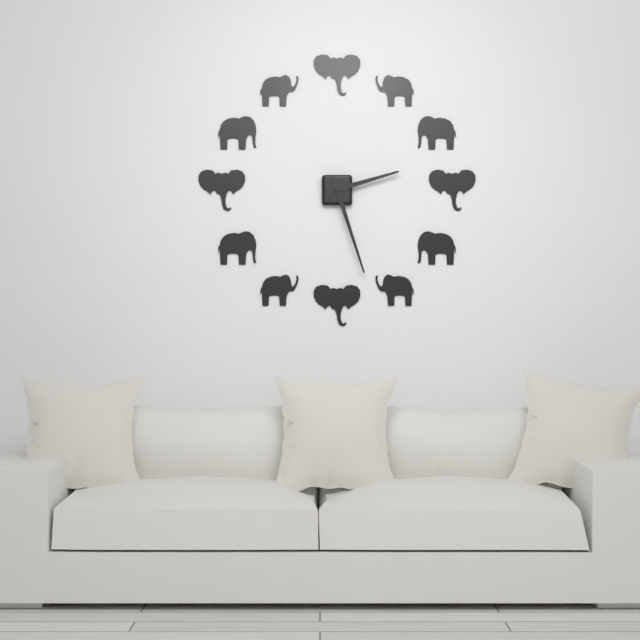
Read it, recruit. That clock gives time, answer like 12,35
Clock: 2,27
